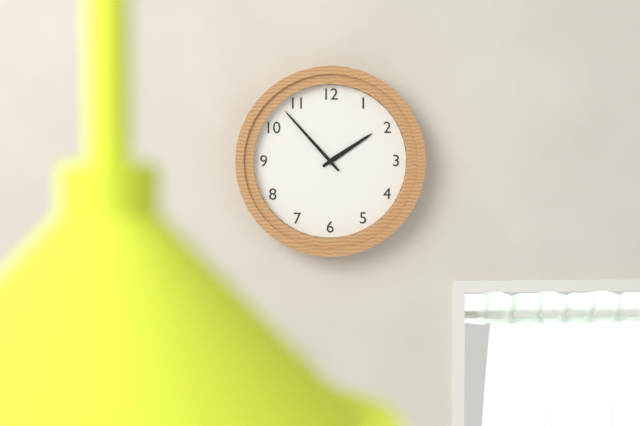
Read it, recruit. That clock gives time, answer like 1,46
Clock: 1,53
